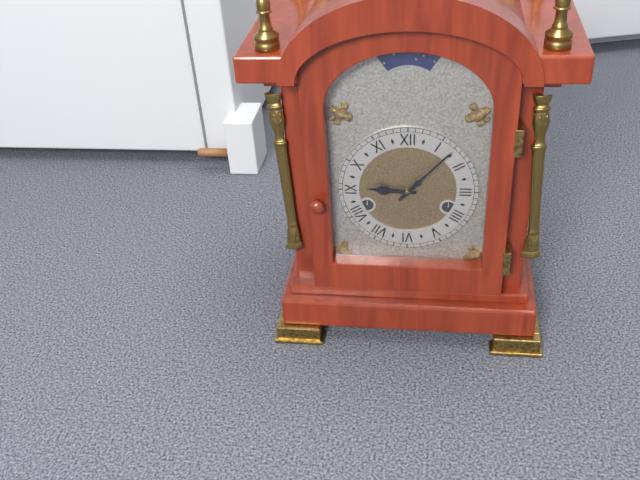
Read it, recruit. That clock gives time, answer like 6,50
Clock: 9,07
